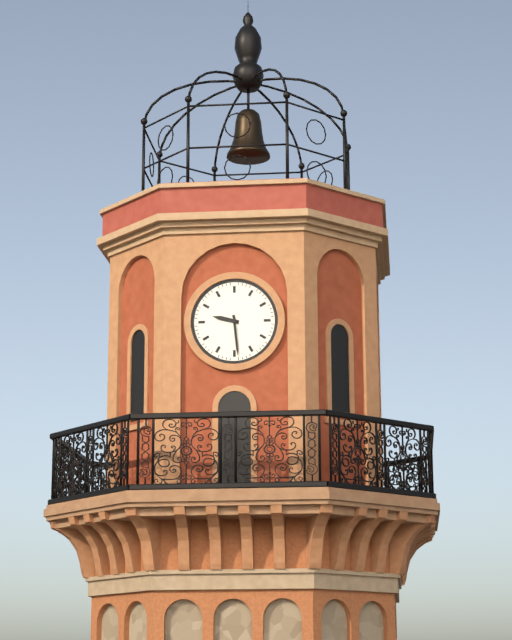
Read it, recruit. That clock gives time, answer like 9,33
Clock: 9,29
